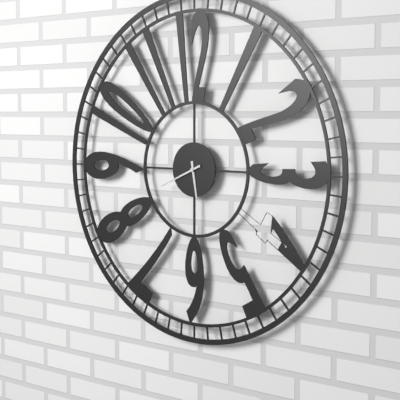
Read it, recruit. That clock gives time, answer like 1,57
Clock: 5,41
